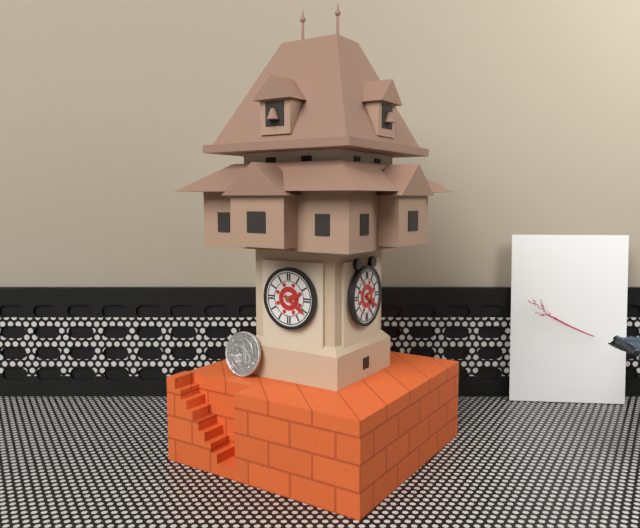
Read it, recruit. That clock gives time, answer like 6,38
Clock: 2,21
